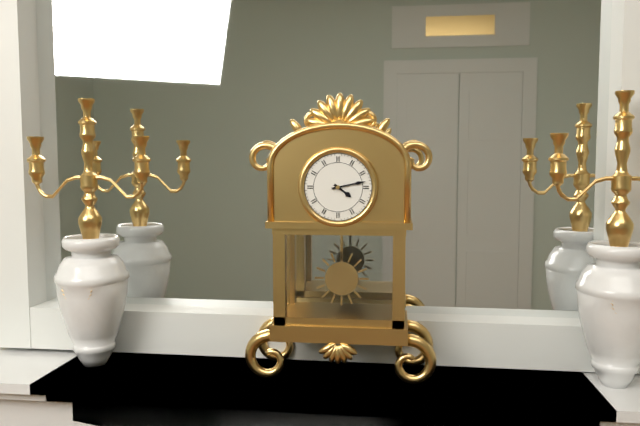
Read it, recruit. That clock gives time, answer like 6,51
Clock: 4,13
